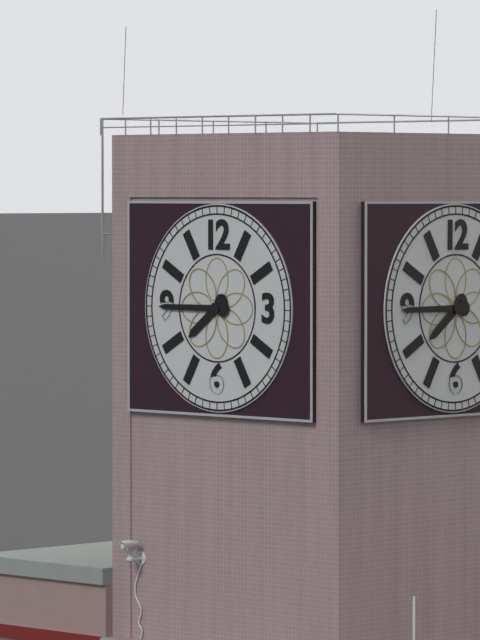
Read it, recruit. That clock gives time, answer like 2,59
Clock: 7,45
